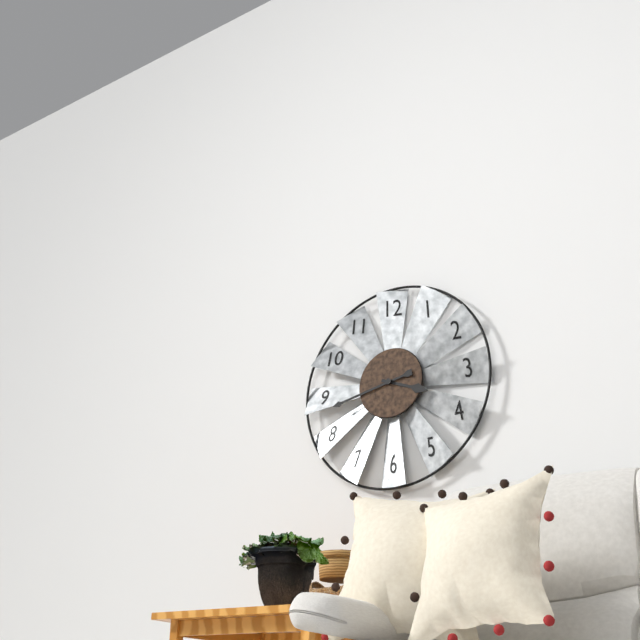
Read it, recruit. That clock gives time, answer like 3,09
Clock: 3,43
